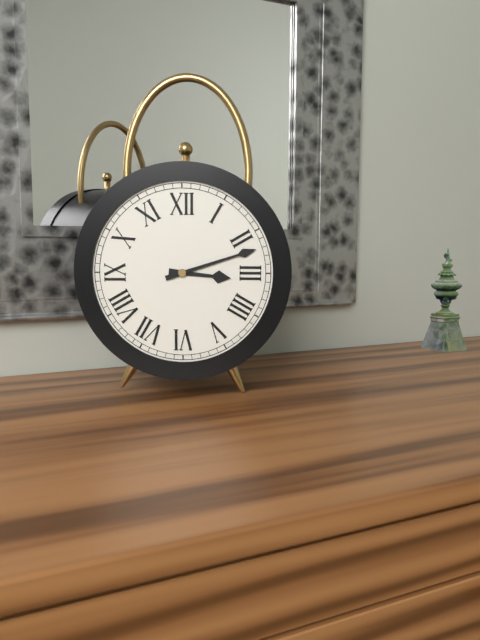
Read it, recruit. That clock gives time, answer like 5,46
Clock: 3,12
